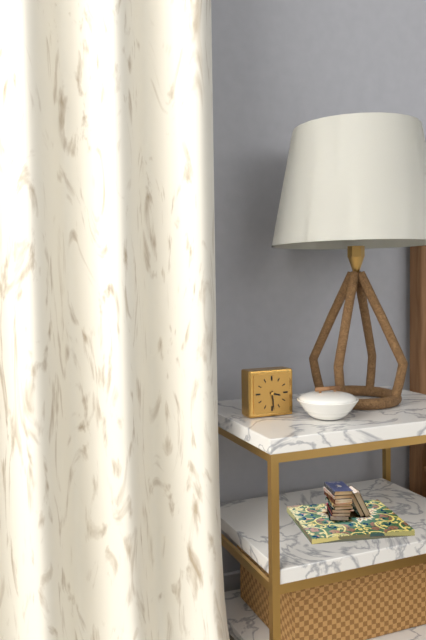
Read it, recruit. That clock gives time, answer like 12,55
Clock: 3,29
